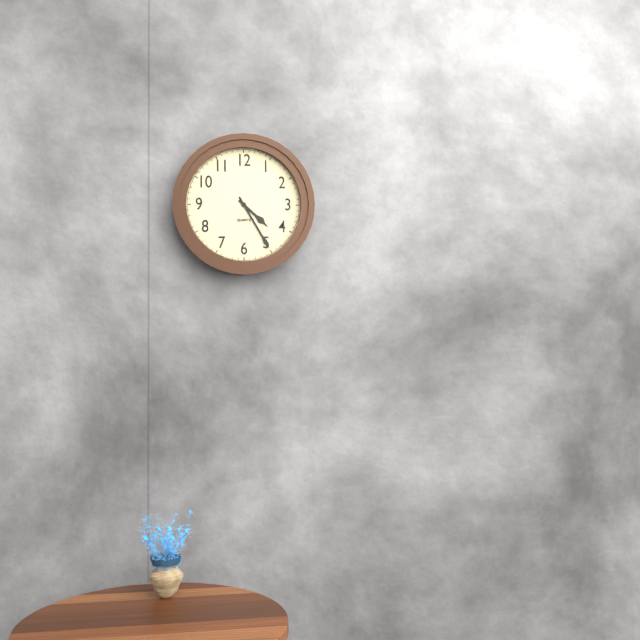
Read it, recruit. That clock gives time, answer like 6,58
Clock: 4,25
